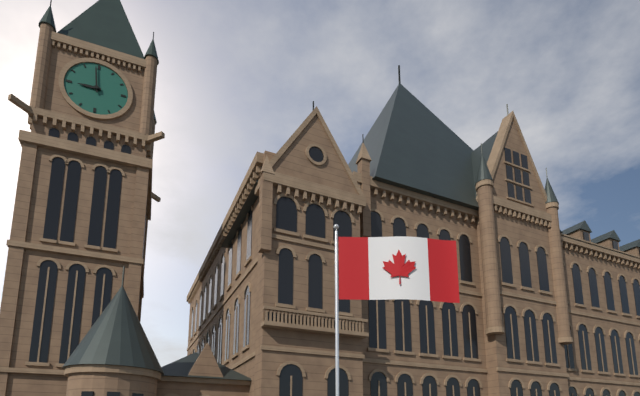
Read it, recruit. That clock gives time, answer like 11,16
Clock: 8,59
